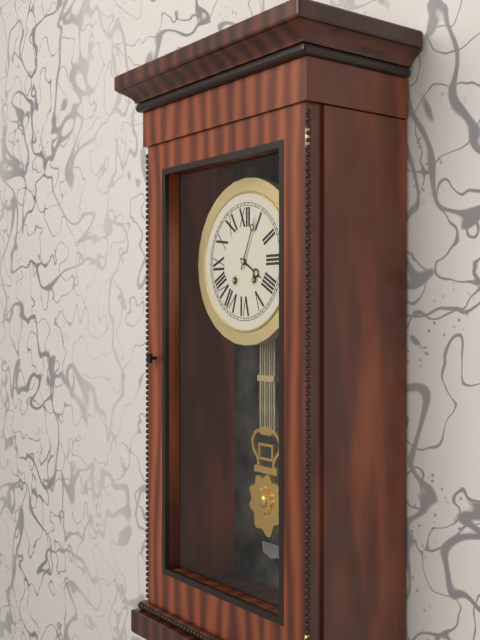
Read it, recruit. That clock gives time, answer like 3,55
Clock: 4,04
